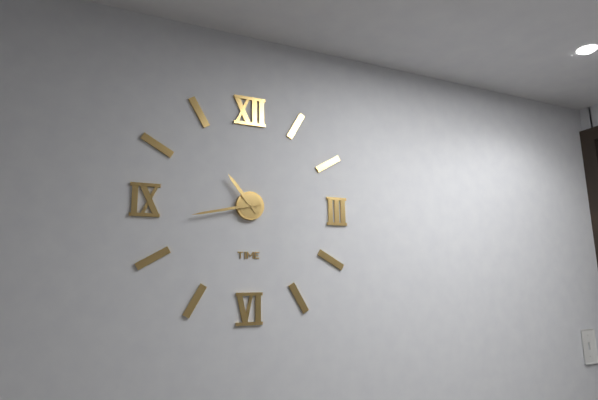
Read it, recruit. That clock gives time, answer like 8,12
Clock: 10,43
